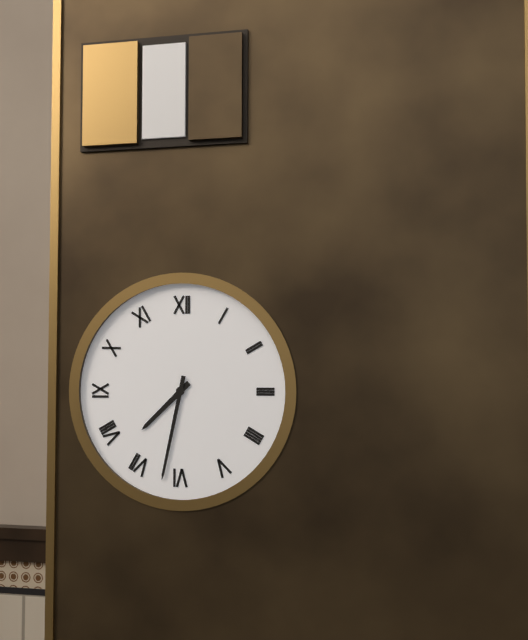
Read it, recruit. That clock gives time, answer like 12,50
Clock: 7,32
